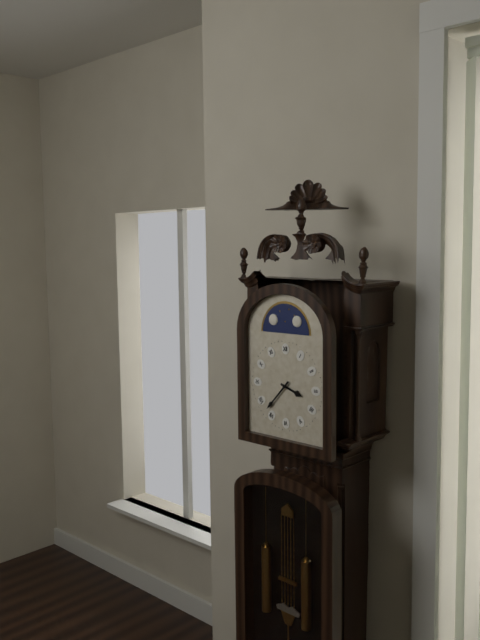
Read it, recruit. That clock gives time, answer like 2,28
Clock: 3,37
